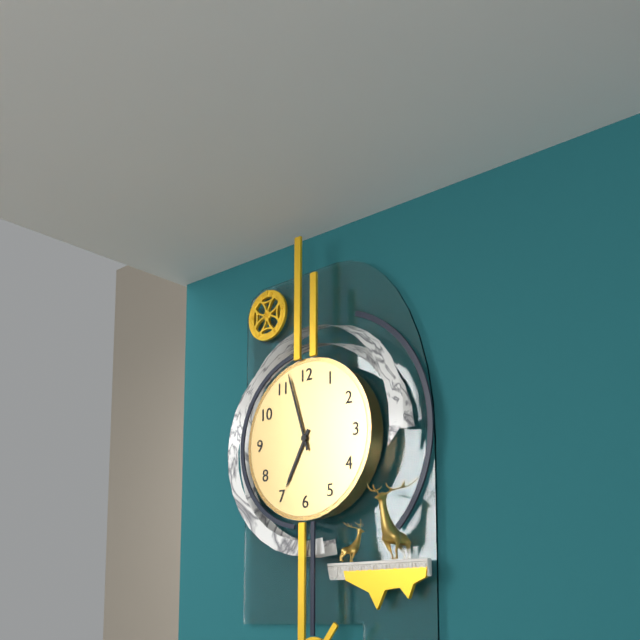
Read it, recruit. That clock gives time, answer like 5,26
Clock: 6,57
